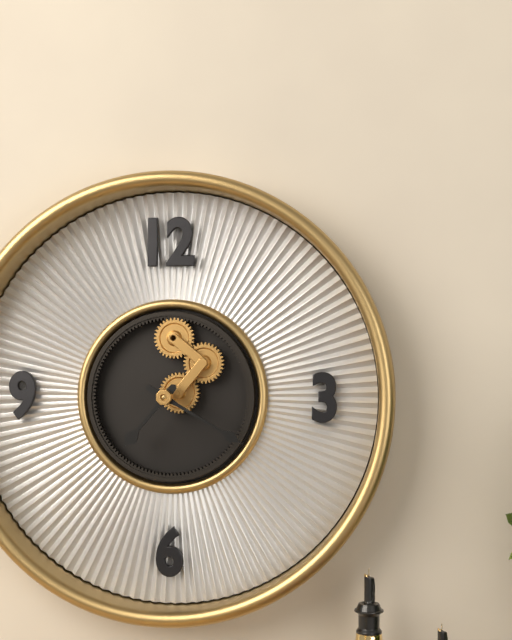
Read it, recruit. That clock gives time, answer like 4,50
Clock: 7,20
